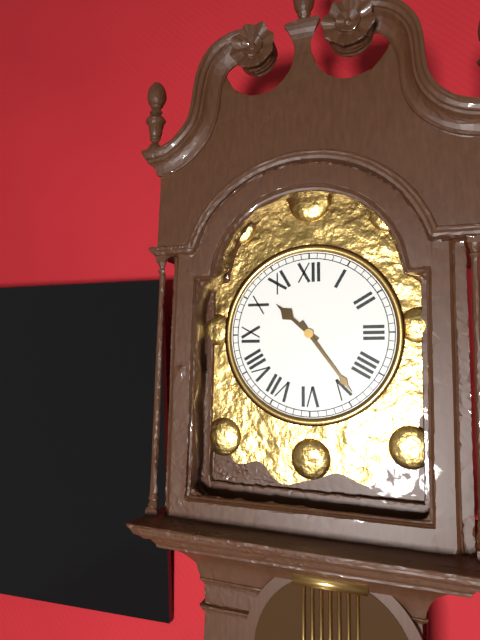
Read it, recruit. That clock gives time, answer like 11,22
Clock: 10,24
